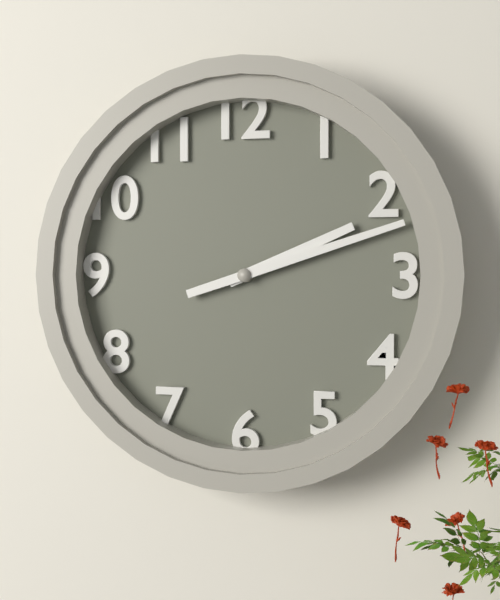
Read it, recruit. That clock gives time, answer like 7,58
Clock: 2,12
